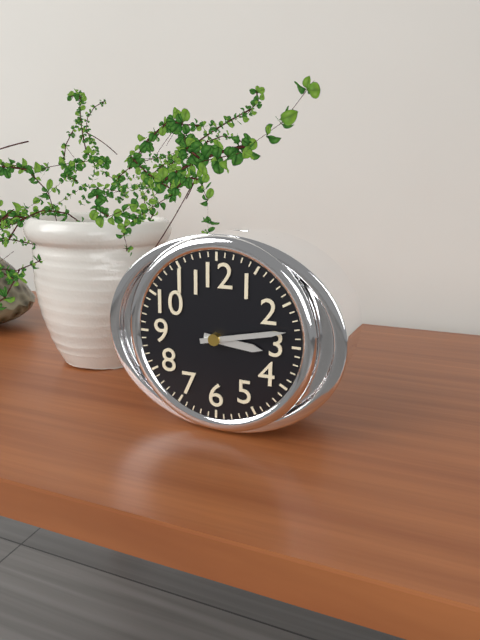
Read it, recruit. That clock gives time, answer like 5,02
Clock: 3,13
